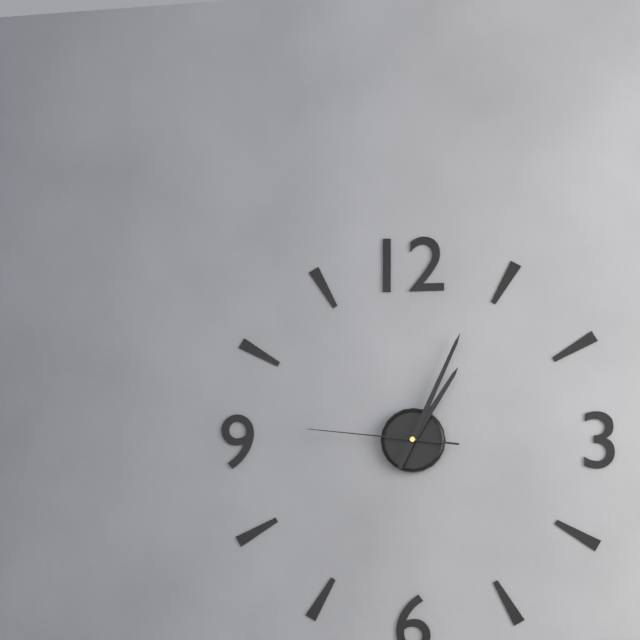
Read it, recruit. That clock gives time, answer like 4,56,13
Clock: 1,04,46
